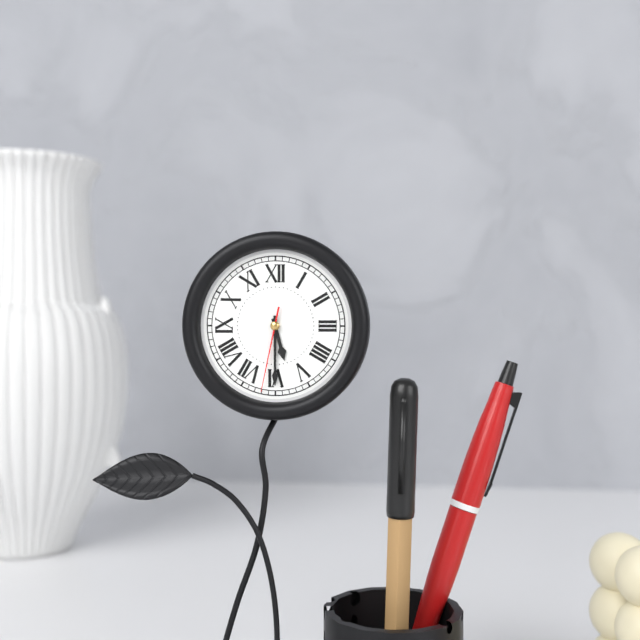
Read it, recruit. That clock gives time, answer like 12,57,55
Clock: 5,30,32
